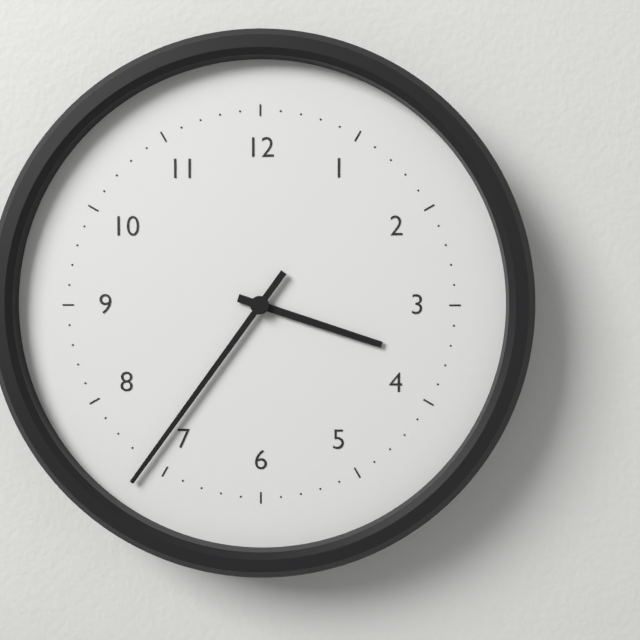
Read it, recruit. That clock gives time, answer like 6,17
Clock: 3,36
